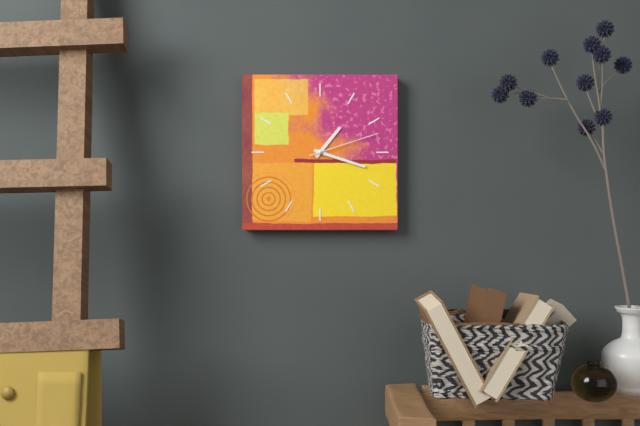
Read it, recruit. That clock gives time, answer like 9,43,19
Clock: 1,18,12
